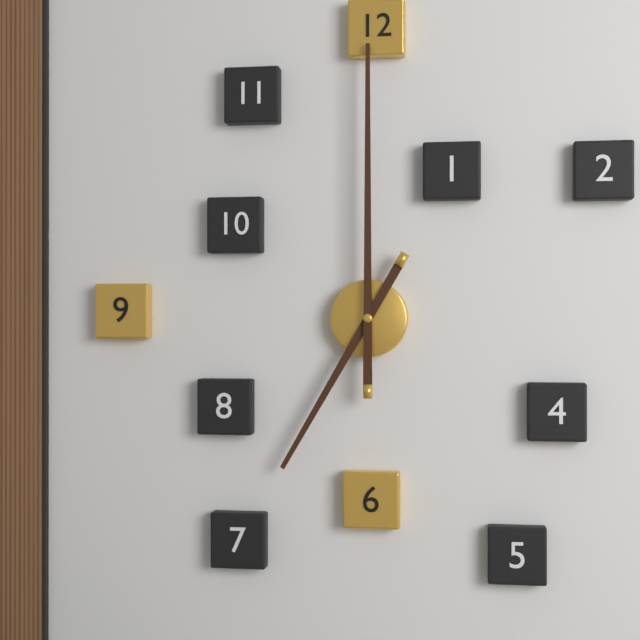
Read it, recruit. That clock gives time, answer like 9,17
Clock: 7,00
